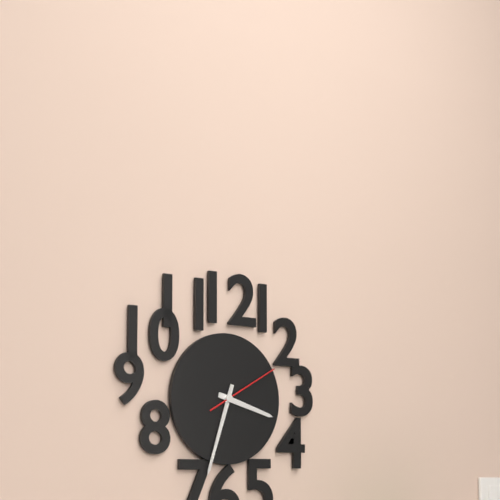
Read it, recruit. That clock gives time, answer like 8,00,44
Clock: 3,33,10
